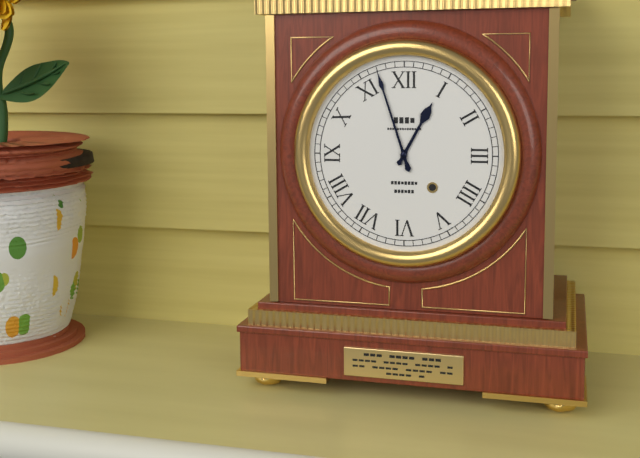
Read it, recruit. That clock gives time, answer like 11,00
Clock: 12,57
